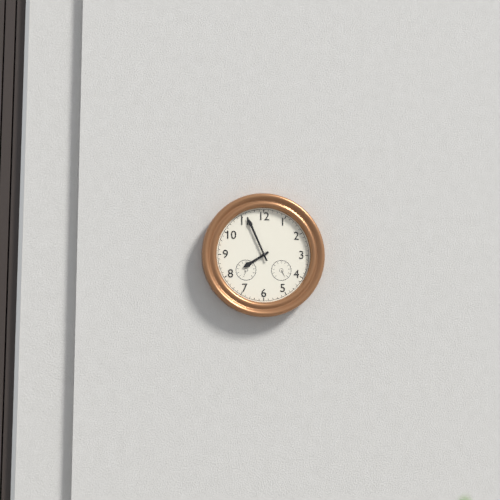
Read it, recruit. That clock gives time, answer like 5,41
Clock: 7,56
